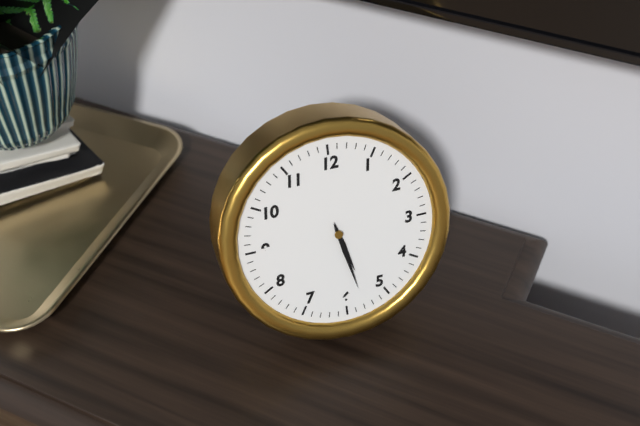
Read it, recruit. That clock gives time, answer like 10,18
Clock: 5,28
